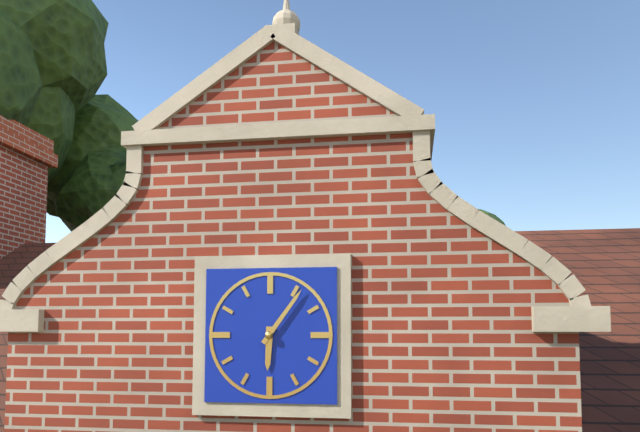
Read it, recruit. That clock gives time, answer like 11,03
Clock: 6,06
